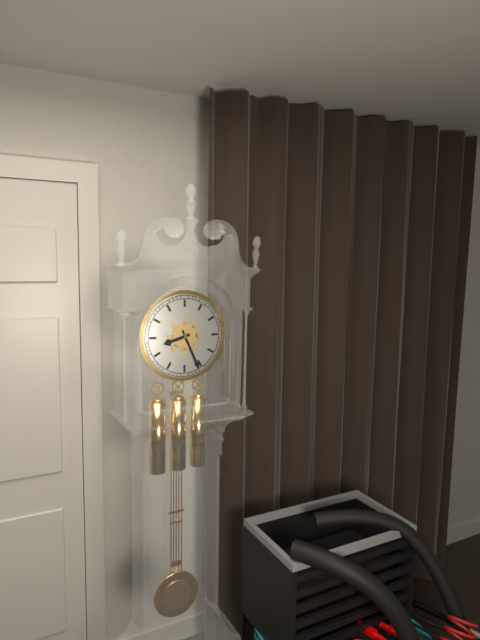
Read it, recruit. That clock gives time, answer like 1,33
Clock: 8,26
